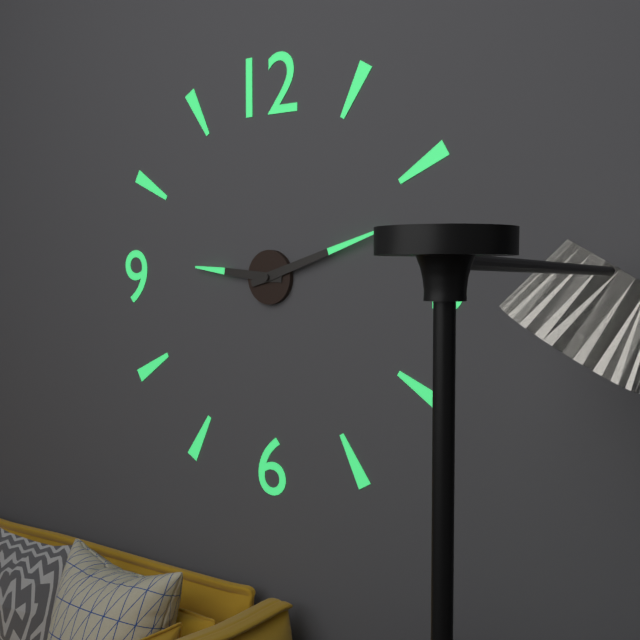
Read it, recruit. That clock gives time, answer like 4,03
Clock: 9,12
